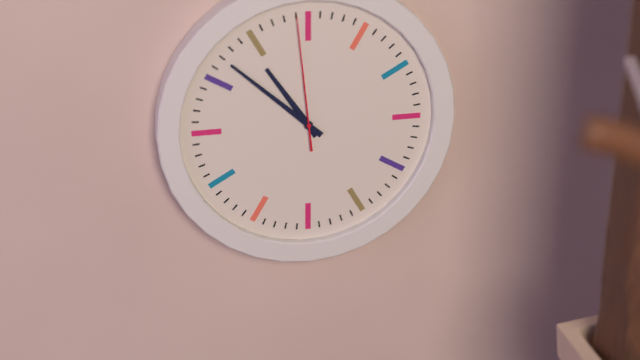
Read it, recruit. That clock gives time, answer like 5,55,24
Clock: 10,52,59
